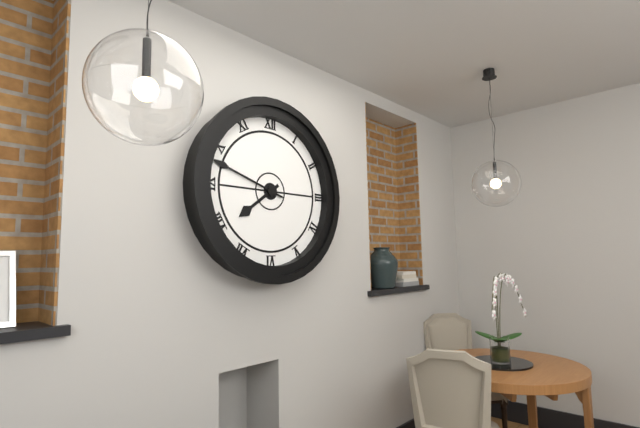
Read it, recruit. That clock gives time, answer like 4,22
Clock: 7,48
